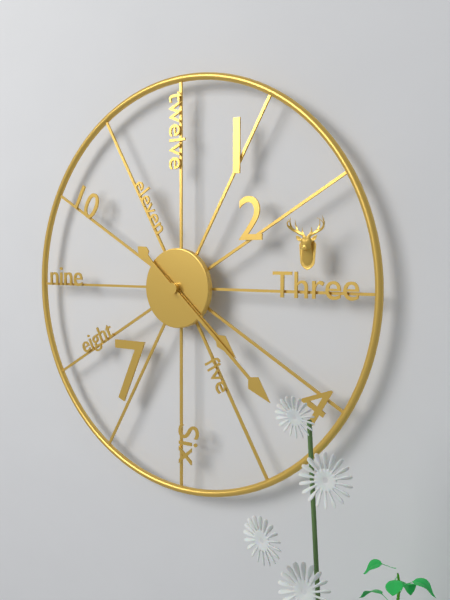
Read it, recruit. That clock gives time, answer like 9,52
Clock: 4,22
